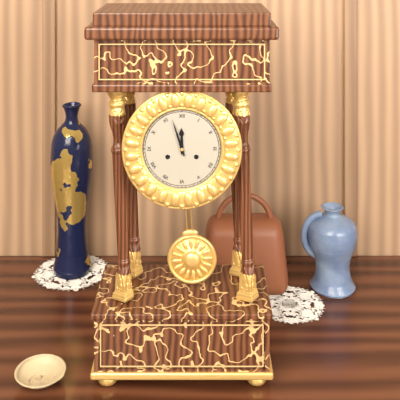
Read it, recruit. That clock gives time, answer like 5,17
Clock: 11,57
